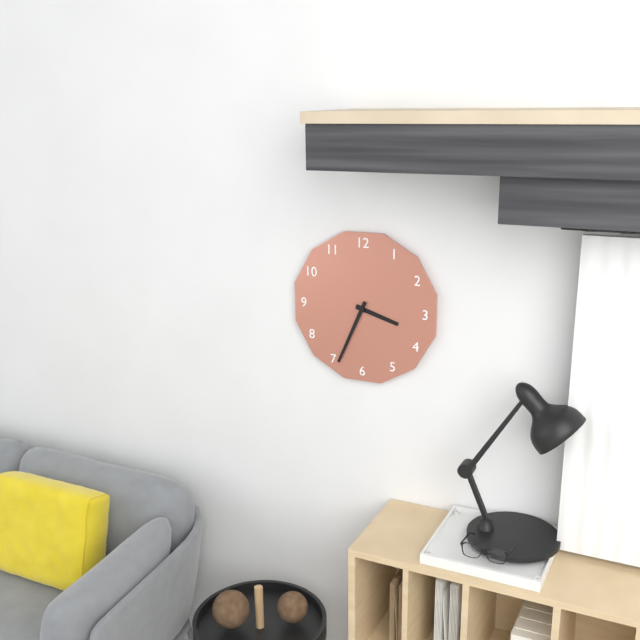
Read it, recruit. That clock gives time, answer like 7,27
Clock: 3,34
